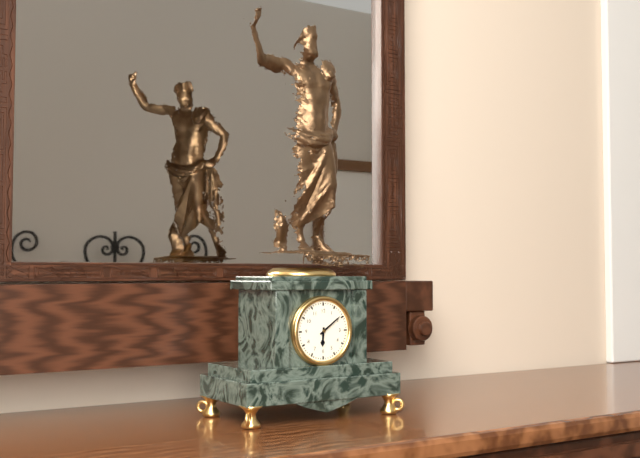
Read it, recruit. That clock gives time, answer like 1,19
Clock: 6,09
